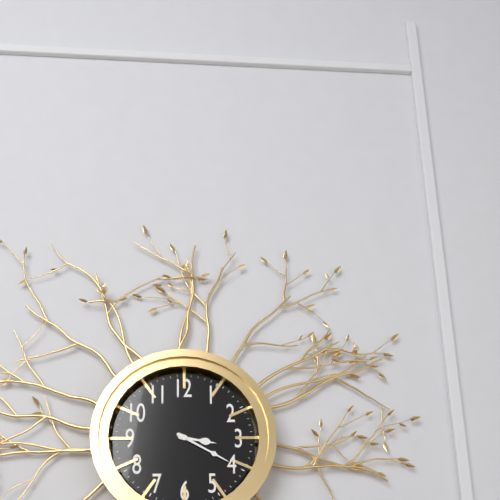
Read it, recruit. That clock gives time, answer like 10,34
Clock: 3,20
